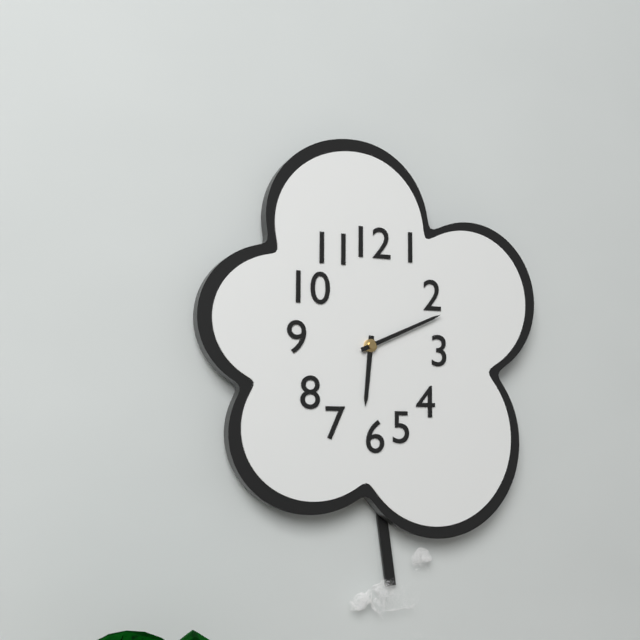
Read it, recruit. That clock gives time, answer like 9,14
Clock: 6,11
